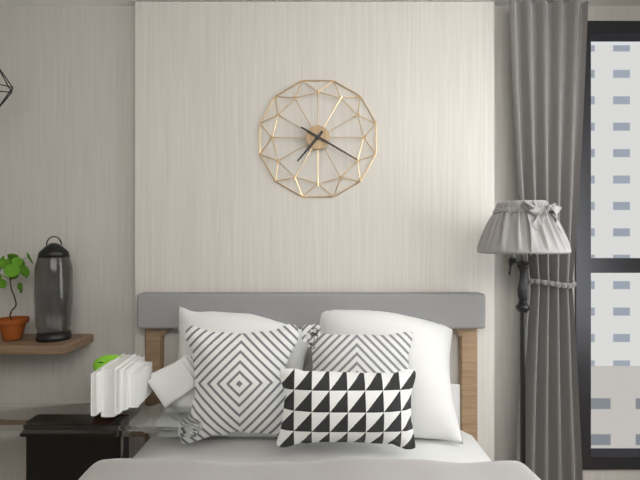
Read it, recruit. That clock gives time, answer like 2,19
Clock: 7,20
